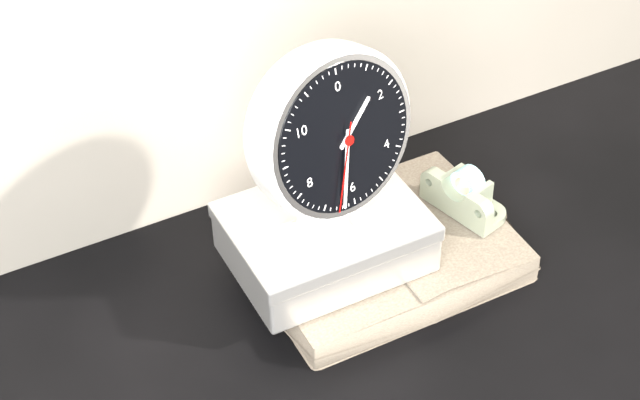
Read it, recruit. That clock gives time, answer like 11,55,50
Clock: 1,32,33
